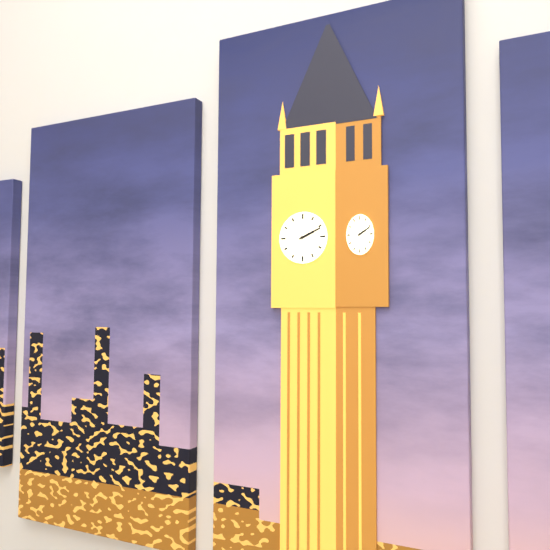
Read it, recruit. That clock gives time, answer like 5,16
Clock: 2,11
